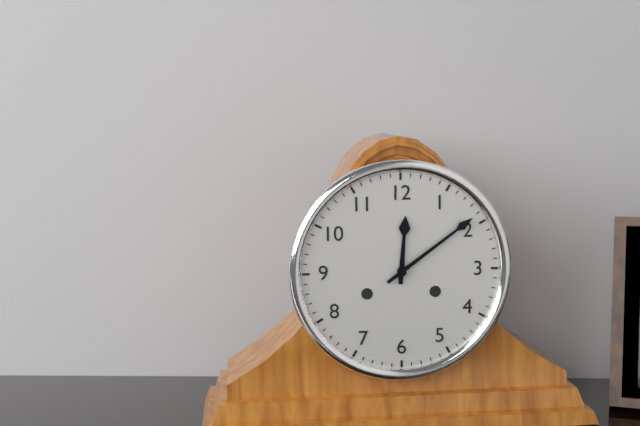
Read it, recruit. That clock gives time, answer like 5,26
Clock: 12,09
